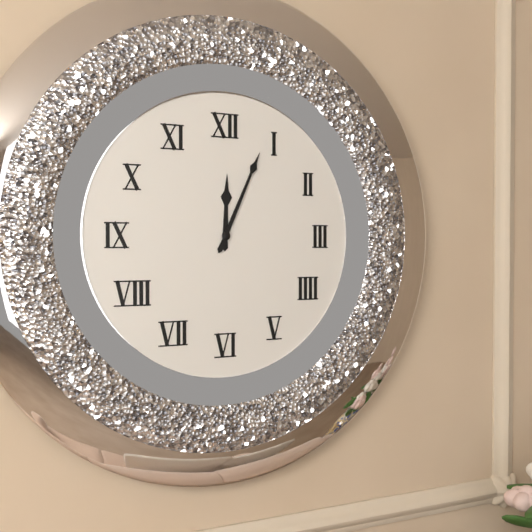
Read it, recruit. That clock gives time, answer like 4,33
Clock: 12,04
